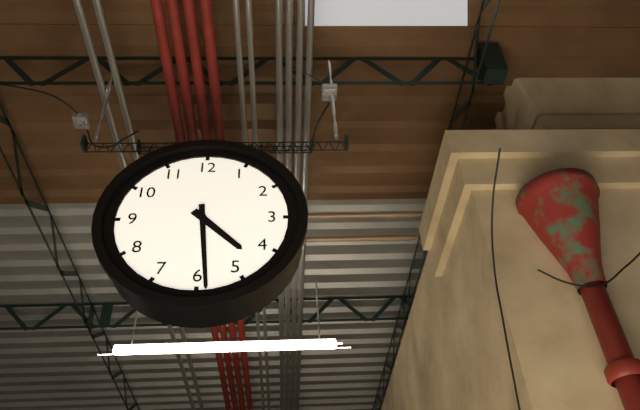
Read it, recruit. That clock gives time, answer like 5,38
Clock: 4,29
